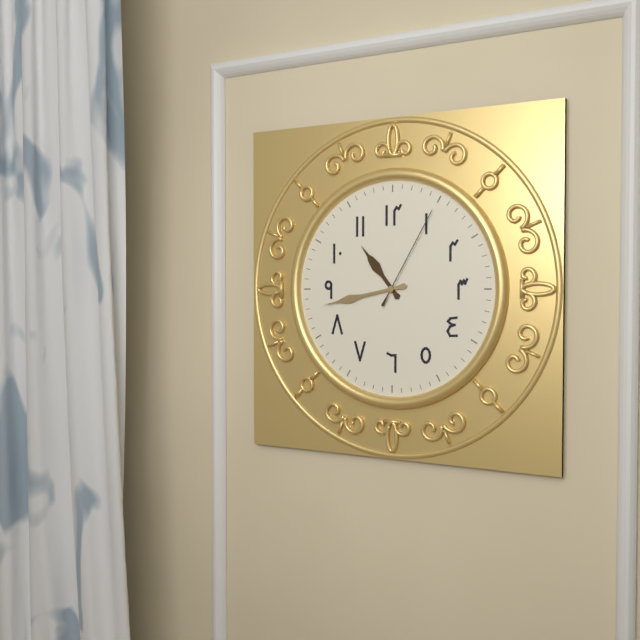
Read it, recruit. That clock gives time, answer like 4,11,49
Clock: 10,43,05
